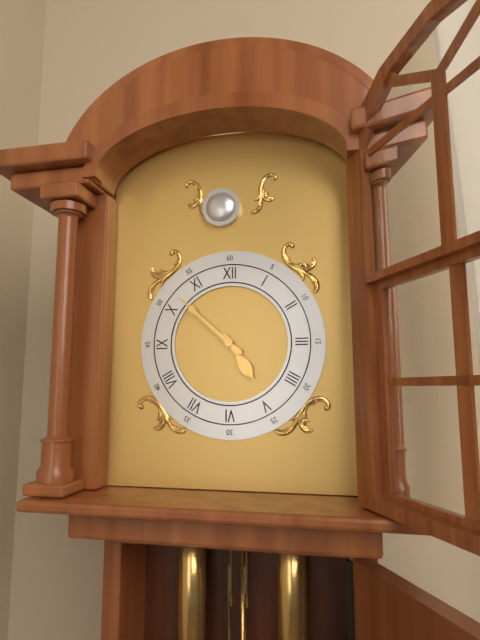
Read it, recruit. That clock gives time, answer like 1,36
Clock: 4,52
